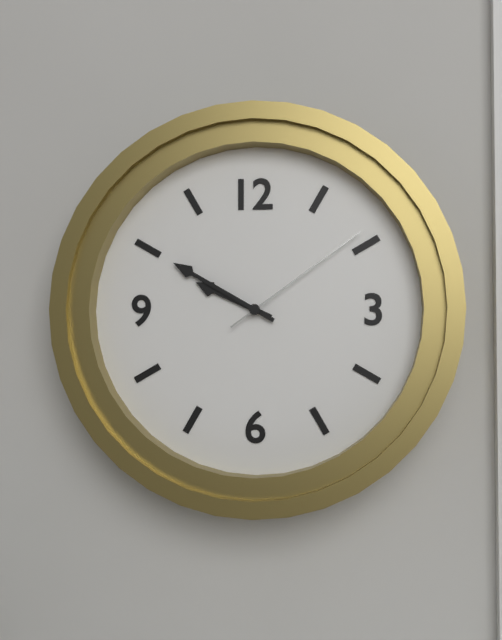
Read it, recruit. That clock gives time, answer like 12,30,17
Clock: 9,50,09
